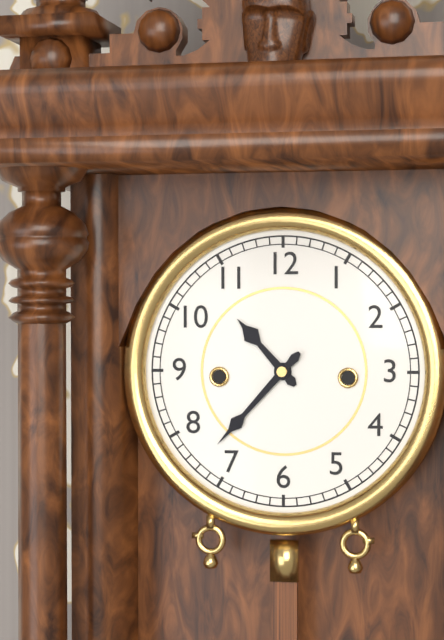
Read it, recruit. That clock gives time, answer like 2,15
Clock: 10,37
